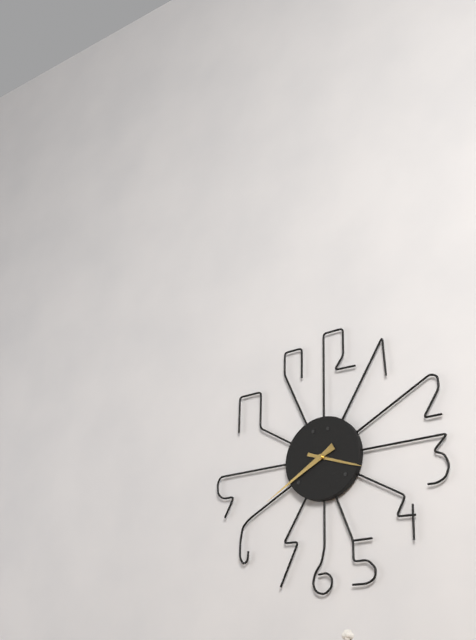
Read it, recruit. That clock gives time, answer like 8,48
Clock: 3,40
